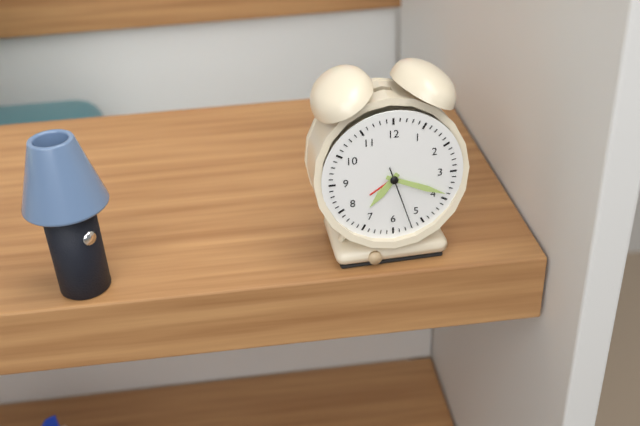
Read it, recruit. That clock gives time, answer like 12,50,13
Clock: 7,19,27
